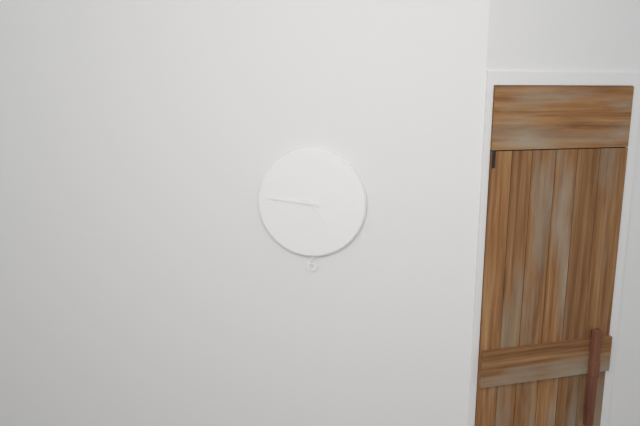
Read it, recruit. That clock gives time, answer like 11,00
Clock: 4,46
